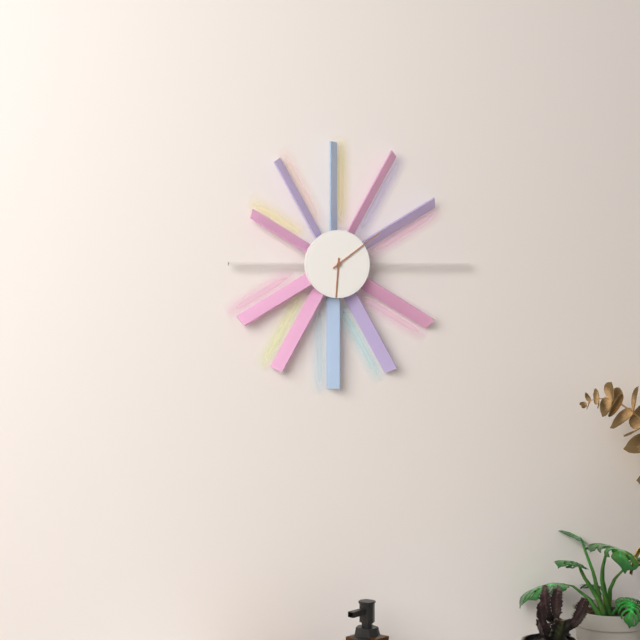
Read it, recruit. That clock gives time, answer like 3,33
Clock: 6,09
